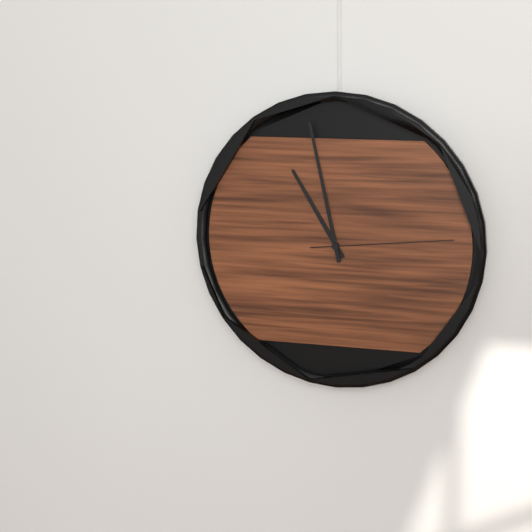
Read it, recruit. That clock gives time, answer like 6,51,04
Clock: 10,58,14
